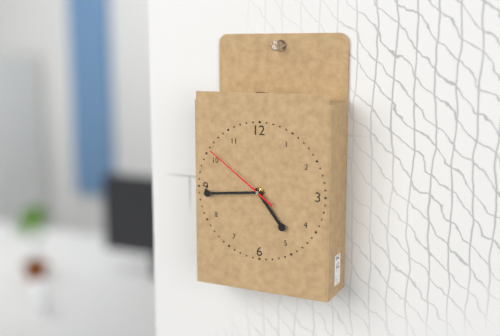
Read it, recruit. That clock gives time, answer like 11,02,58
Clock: 4,44,51
